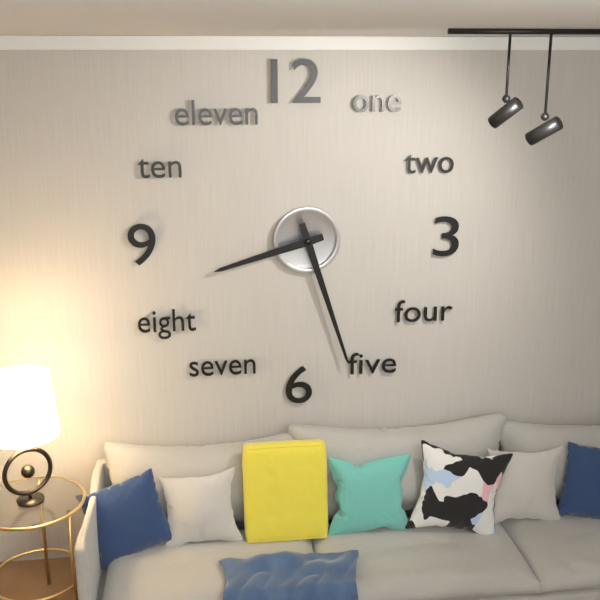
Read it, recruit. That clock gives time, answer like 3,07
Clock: 8,27
